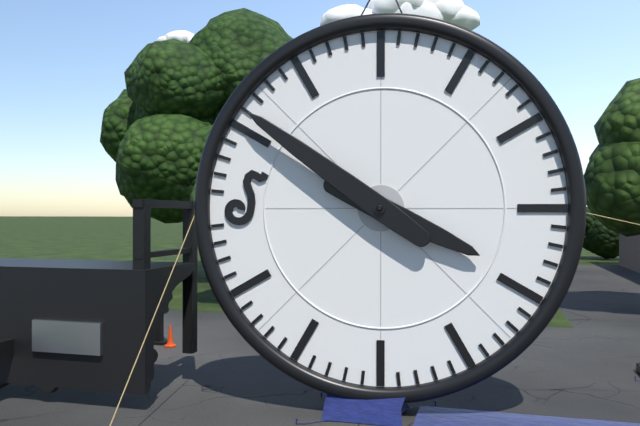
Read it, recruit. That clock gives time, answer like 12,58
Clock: 3,51
